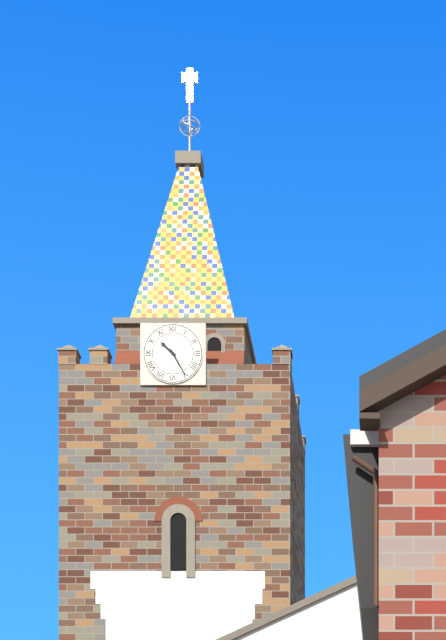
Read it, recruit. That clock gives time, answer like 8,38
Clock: 10,25
